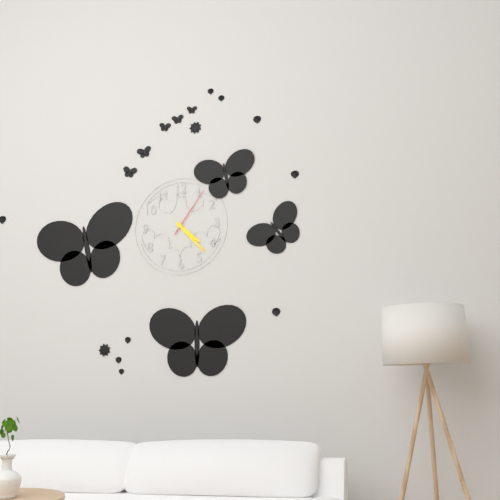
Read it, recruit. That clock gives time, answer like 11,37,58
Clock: 4,23,06
